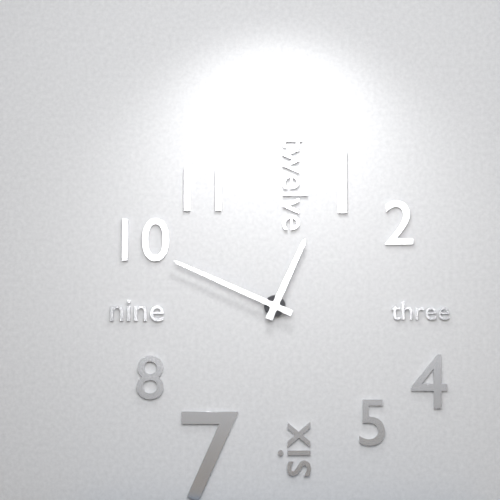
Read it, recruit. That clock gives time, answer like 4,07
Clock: 12,49
